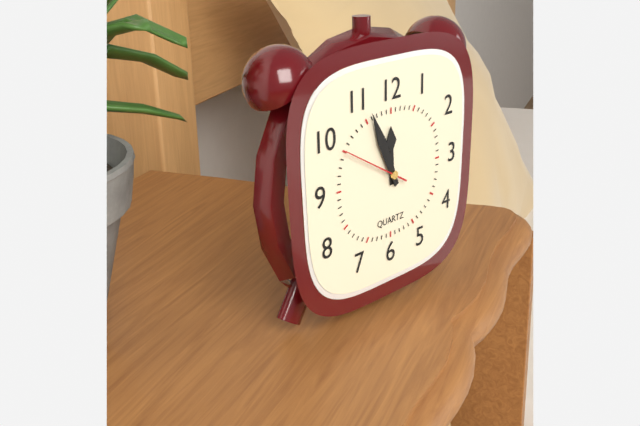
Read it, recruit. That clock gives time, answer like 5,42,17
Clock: 11,56,50
